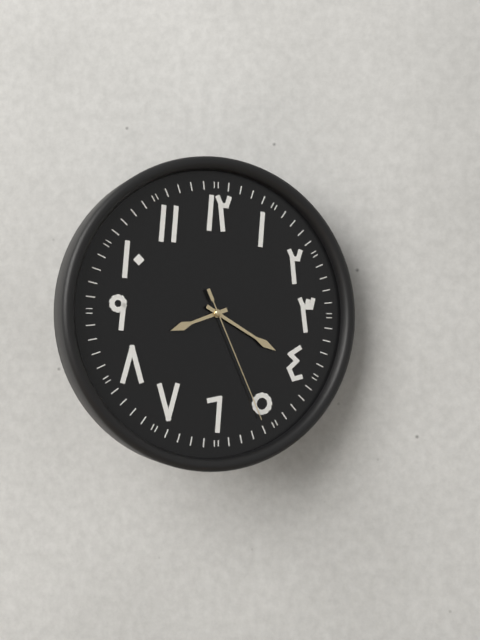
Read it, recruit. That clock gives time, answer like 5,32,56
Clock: 8,20,26
